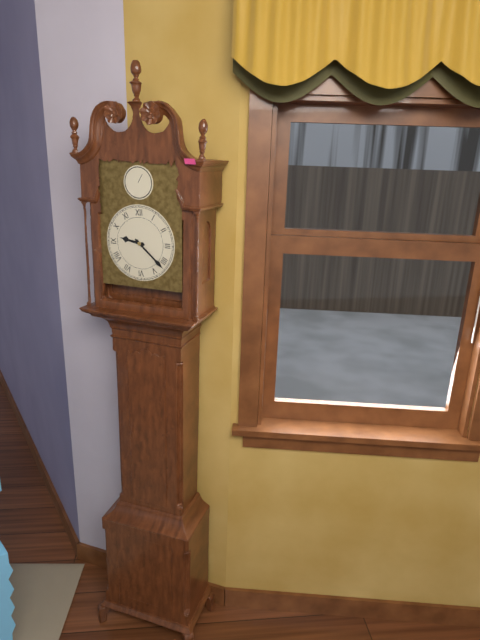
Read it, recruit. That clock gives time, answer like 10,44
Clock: 9,22
